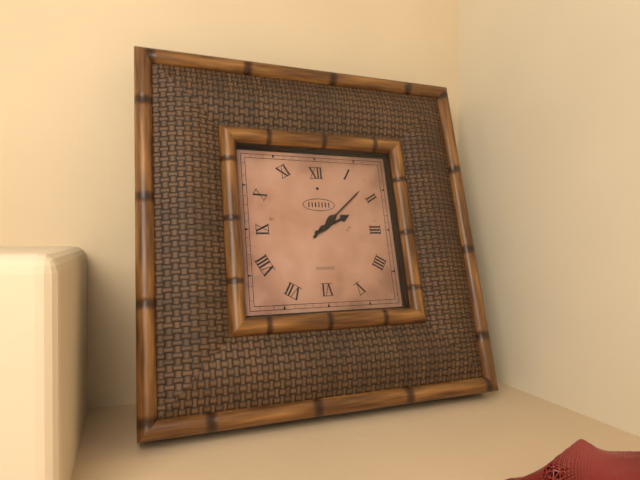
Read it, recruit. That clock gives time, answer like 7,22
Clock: 2,08
